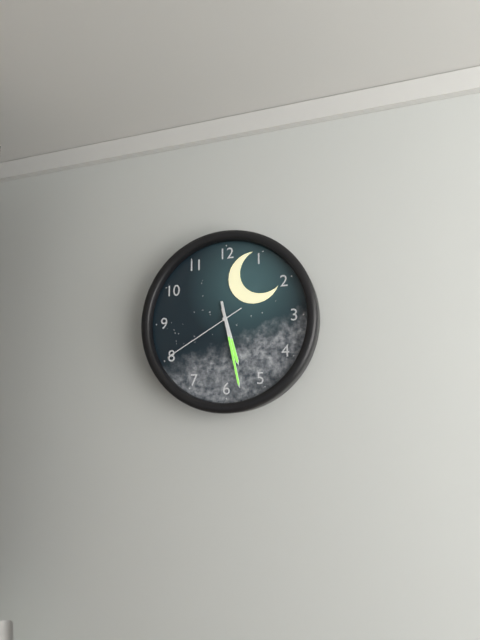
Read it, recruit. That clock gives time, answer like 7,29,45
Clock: 5,28,40
